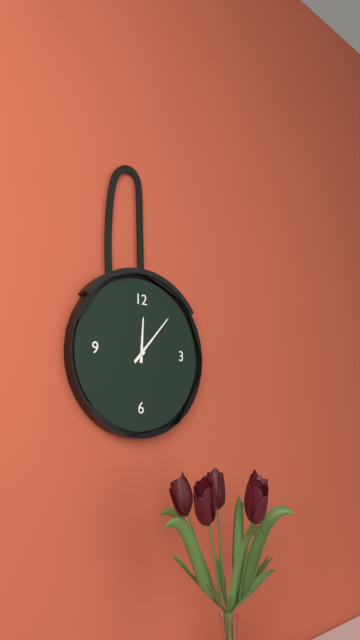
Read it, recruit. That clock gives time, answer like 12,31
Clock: 12,07
